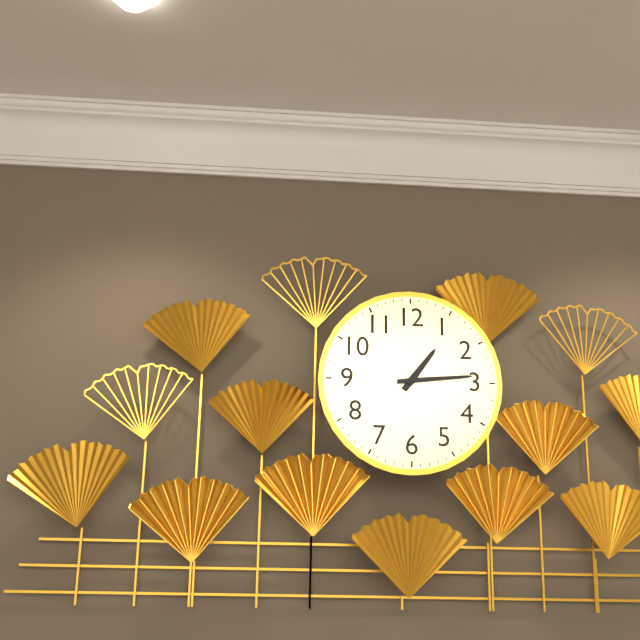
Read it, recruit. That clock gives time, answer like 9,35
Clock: 1,14
